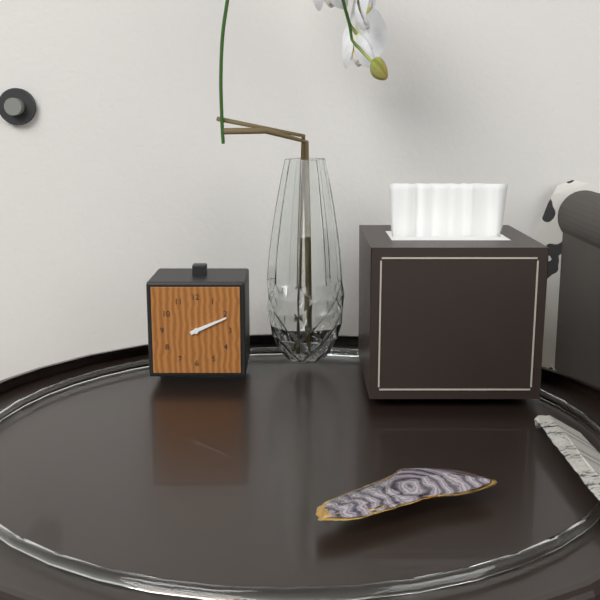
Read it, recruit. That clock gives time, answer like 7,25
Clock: 2,11
